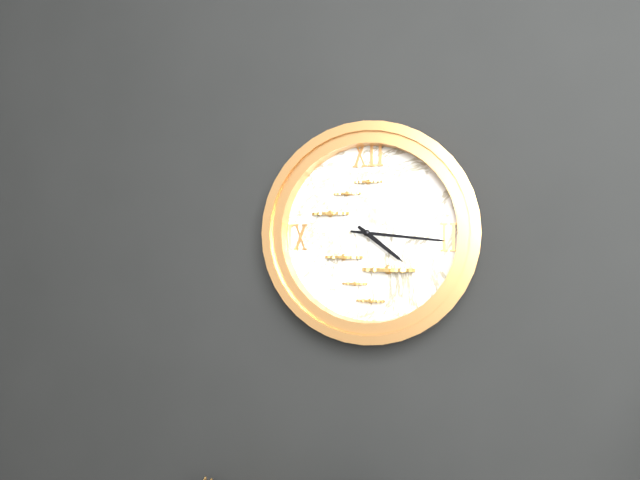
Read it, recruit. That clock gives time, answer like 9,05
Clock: 4,16
